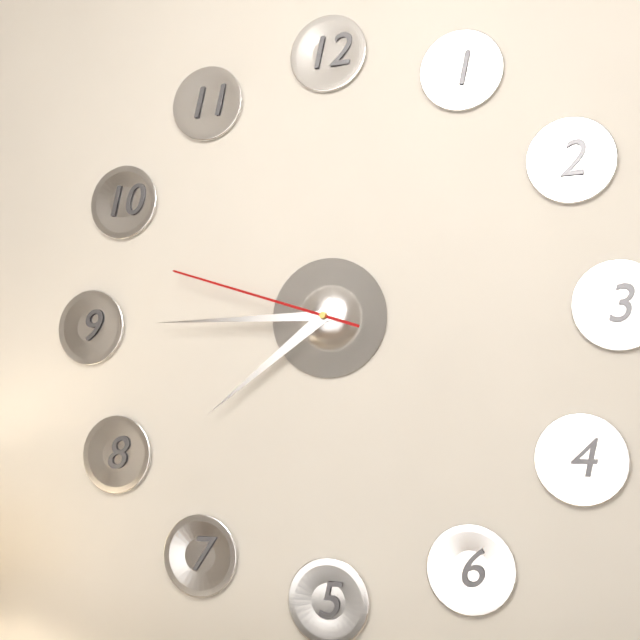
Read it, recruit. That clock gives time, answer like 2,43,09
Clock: 7,45,48
